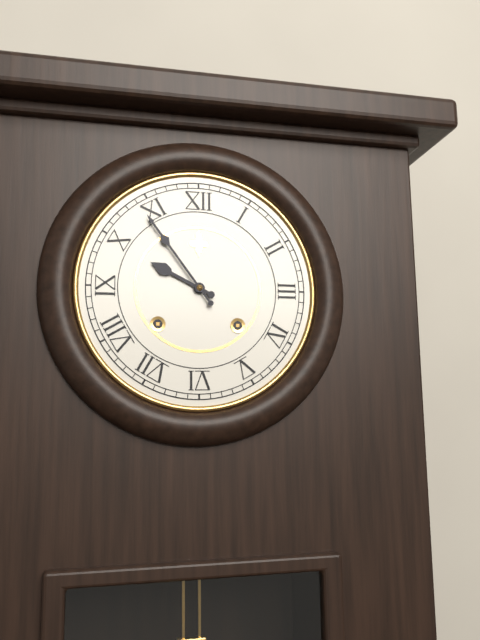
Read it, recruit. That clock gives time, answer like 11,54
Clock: 9,54
